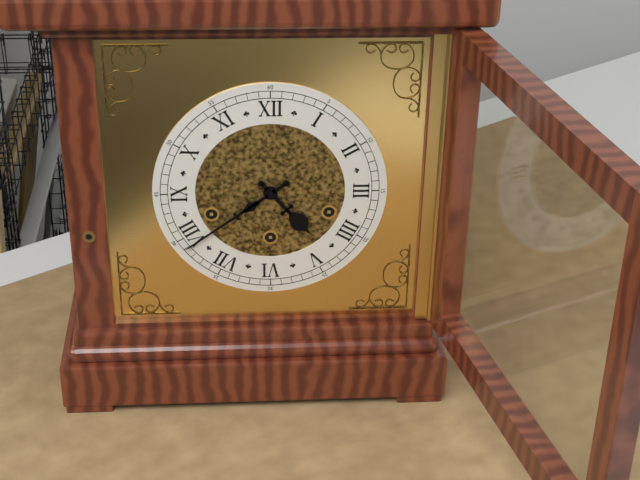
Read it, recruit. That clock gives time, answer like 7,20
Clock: 4,39
